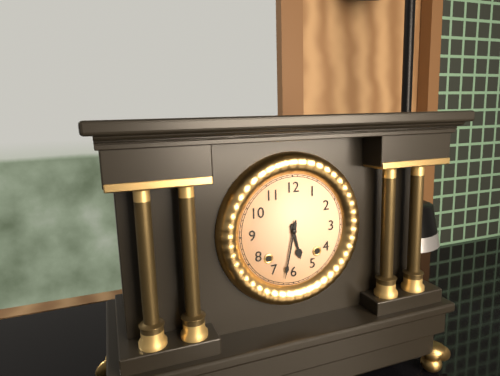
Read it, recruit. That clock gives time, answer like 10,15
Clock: 5,32
